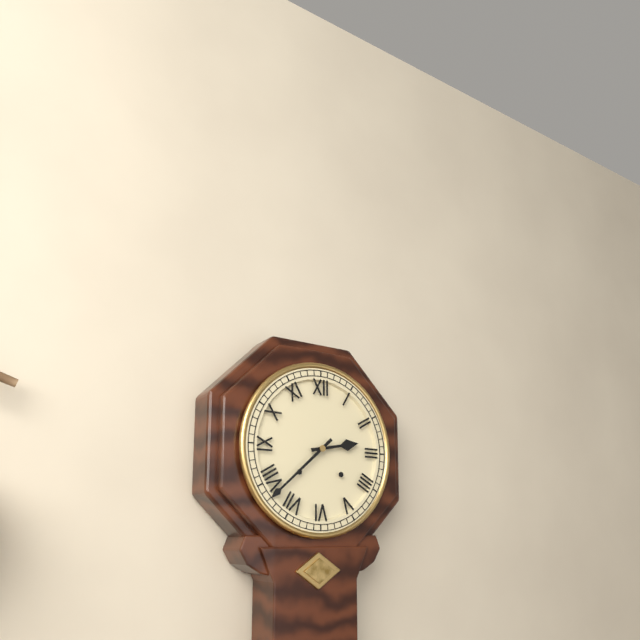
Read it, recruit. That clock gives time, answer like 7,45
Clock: 2,38
